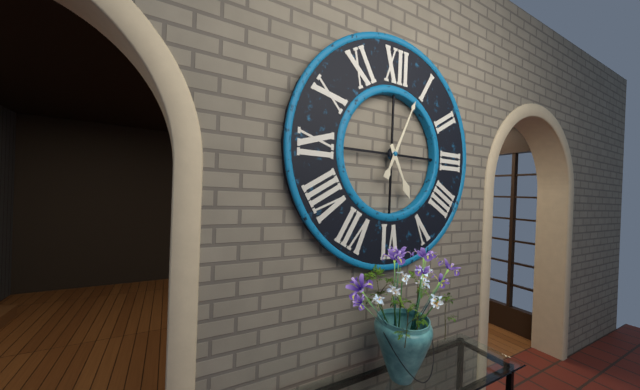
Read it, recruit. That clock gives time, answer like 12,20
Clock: 5,04
